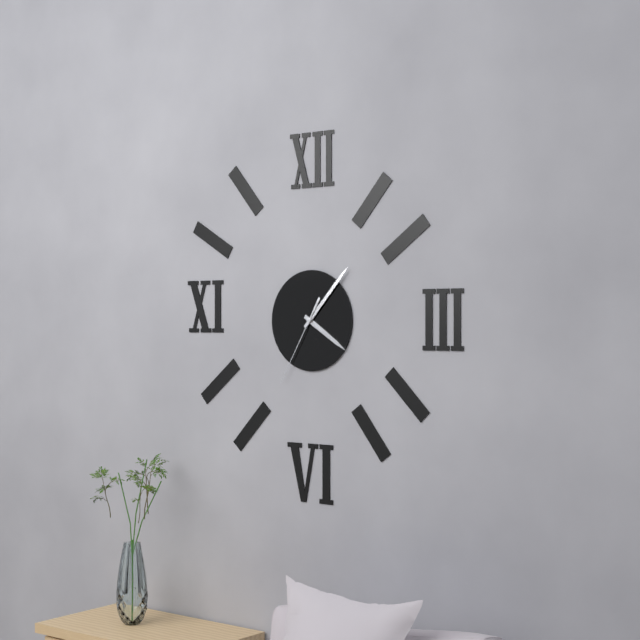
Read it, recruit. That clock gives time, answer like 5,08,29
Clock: 4,07,35
